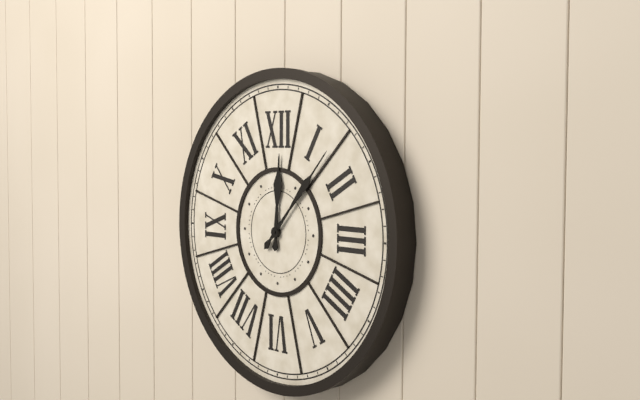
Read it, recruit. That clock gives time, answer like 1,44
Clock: 12,07
